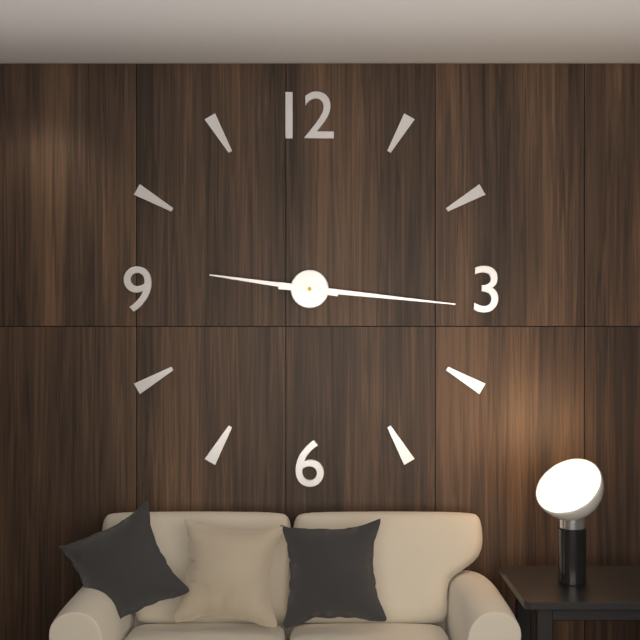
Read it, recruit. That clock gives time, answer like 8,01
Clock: 9,16
